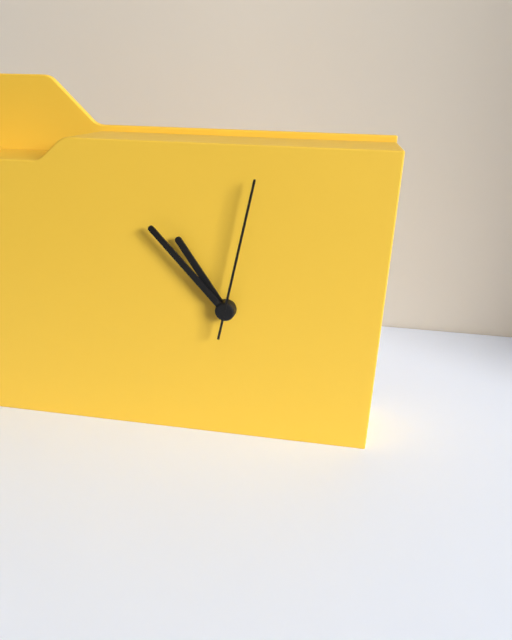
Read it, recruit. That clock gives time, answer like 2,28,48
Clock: 10,53,02
